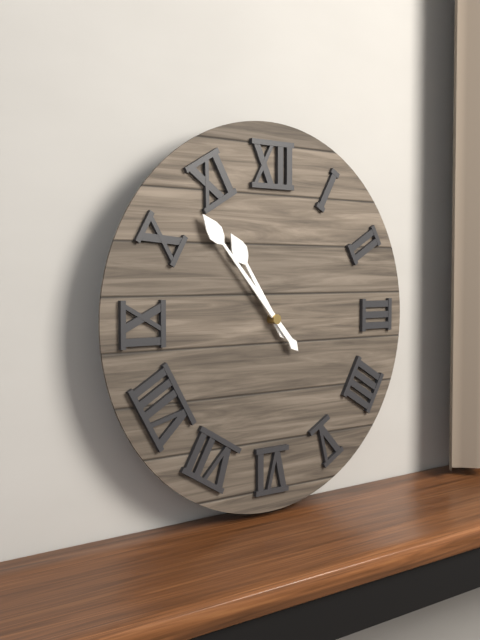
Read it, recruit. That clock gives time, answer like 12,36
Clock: 10,53
